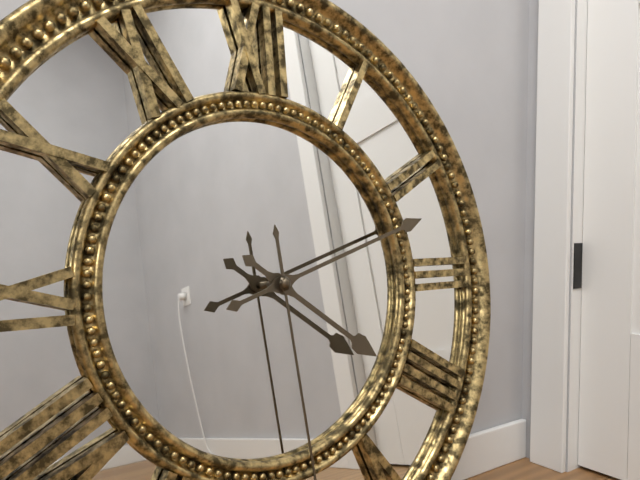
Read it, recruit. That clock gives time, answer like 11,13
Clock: 4,12
